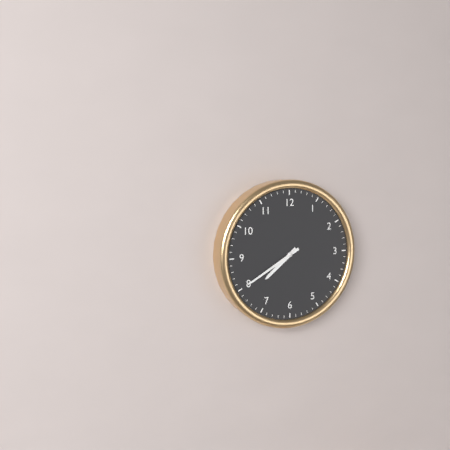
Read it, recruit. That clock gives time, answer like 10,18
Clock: 7,40
